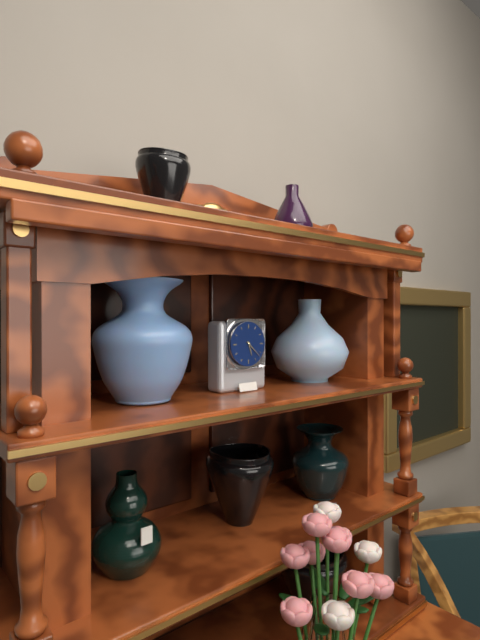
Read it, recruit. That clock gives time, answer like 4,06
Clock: 5,22
